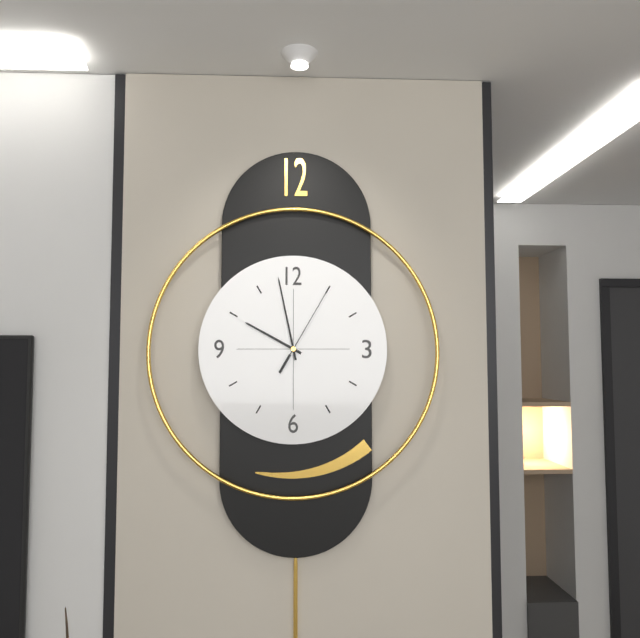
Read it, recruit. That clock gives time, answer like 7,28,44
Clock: 9,58,05
